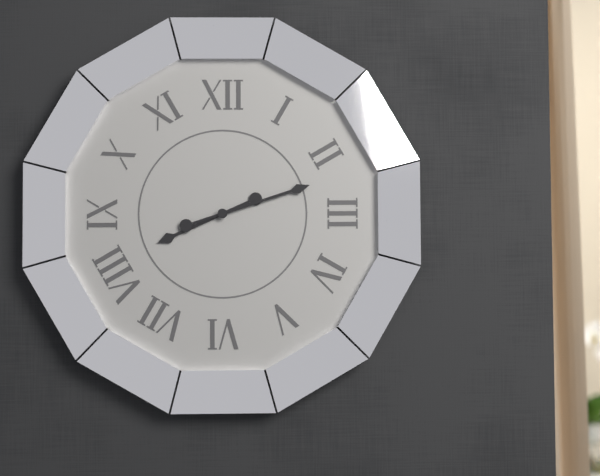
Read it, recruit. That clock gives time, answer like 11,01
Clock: 8,12
